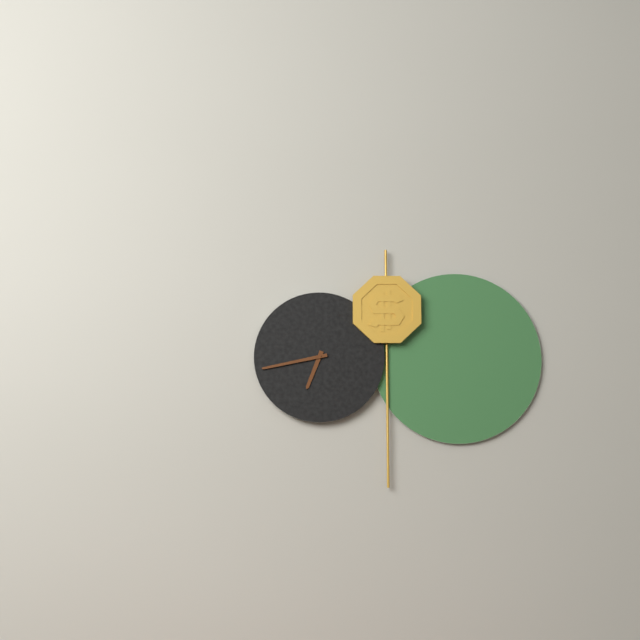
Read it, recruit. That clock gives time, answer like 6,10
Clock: 6,43
